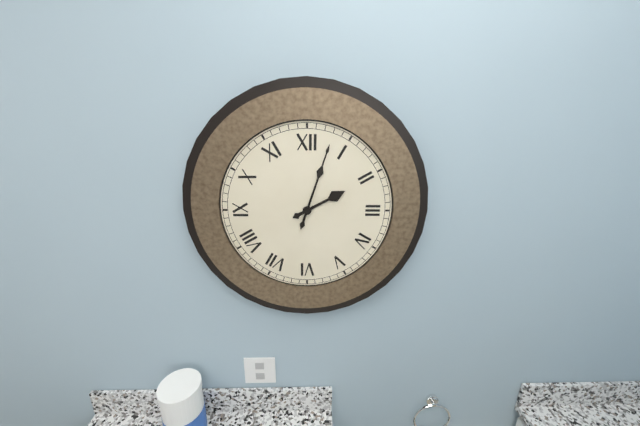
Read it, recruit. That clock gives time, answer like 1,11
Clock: 2,03
